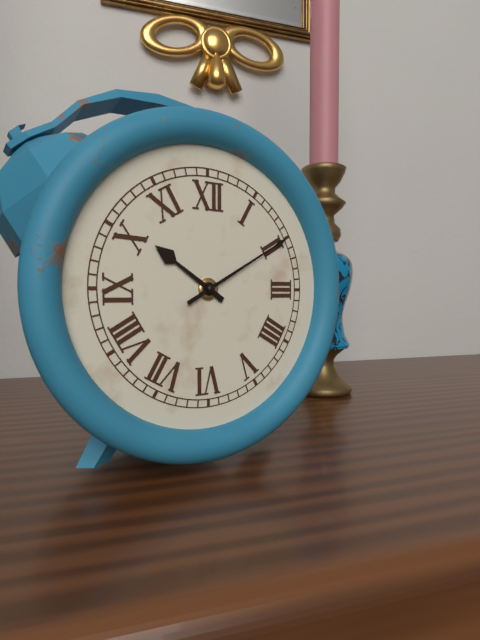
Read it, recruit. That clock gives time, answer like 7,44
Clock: 10,10
